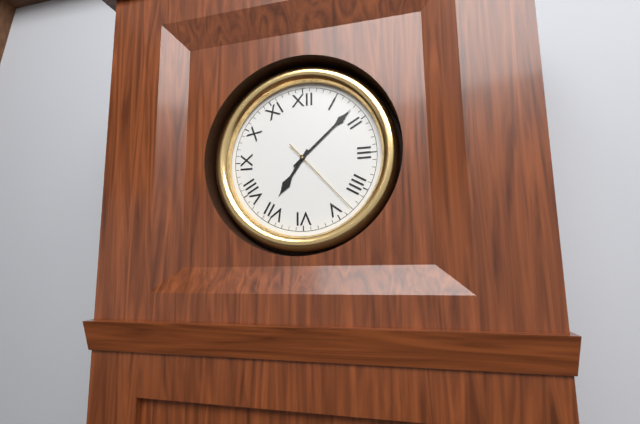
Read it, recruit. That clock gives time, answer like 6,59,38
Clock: 7,08,23
